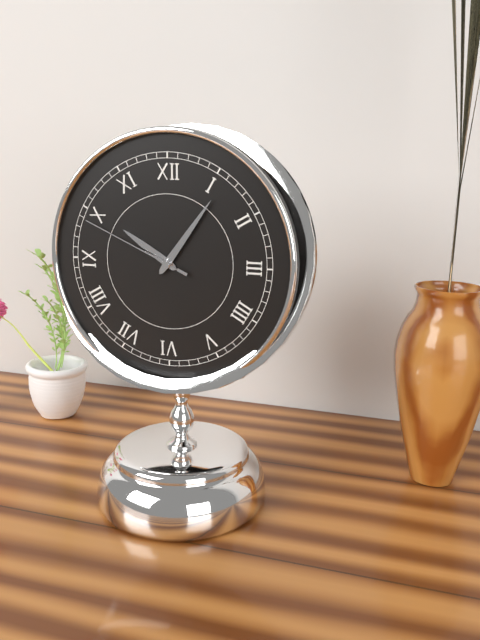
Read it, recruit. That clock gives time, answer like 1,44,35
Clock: 10,06,49
